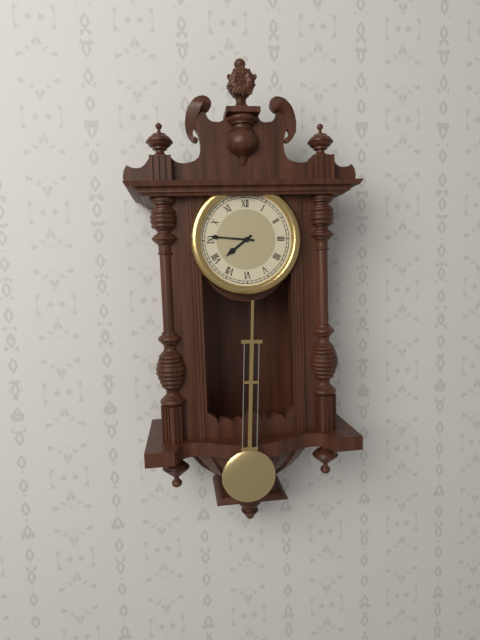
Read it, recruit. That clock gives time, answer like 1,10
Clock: 7,46
